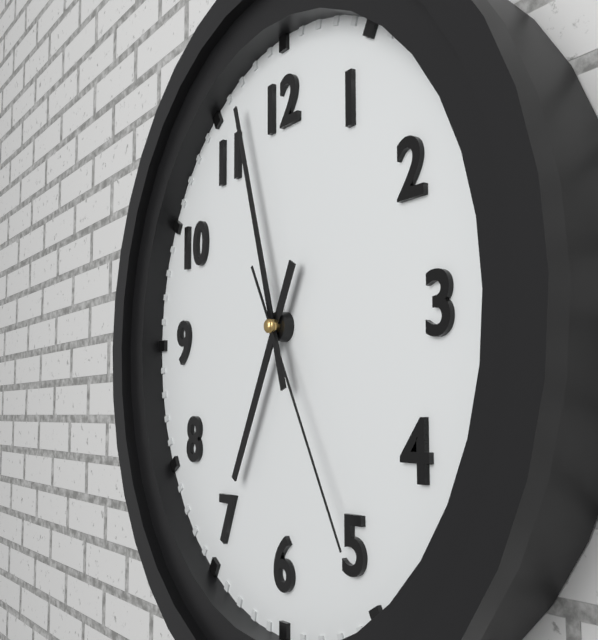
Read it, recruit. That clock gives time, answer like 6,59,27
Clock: 6,57,25
